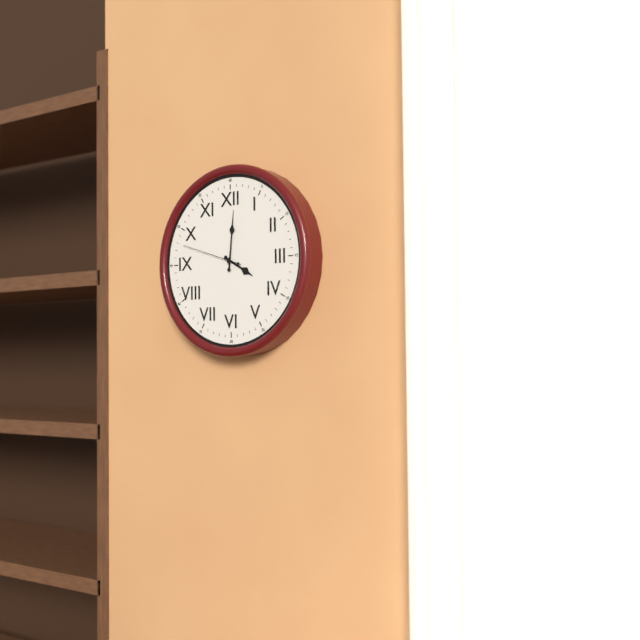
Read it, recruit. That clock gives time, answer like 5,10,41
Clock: 4,01,48
